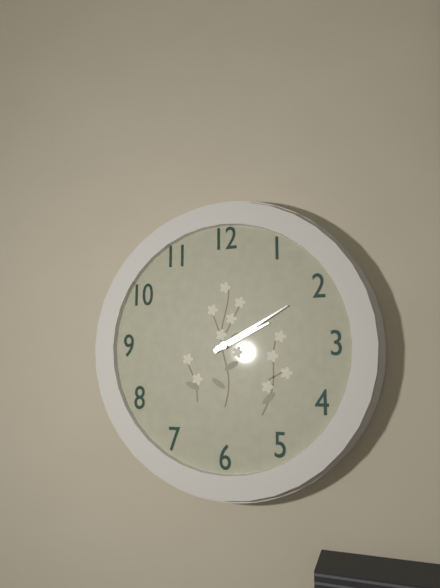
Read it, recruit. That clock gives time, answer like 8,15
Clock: 2,10
